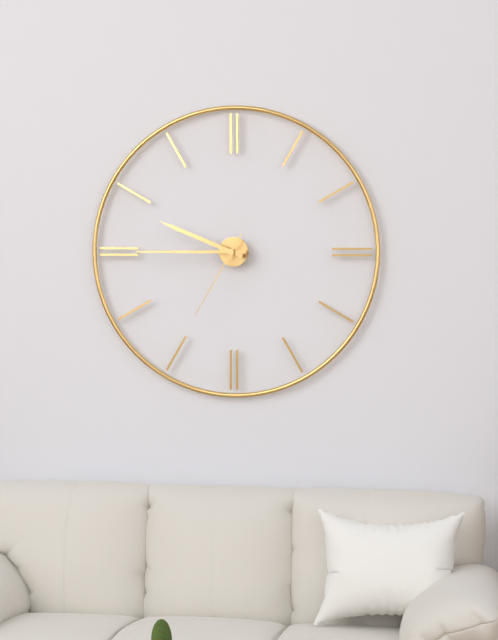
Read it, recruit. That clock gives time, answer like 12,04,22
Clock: 9,45,35
